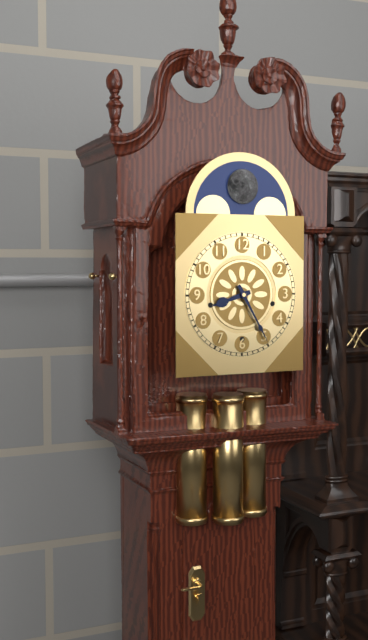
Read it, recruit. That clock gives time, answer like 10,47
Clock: 8,25
